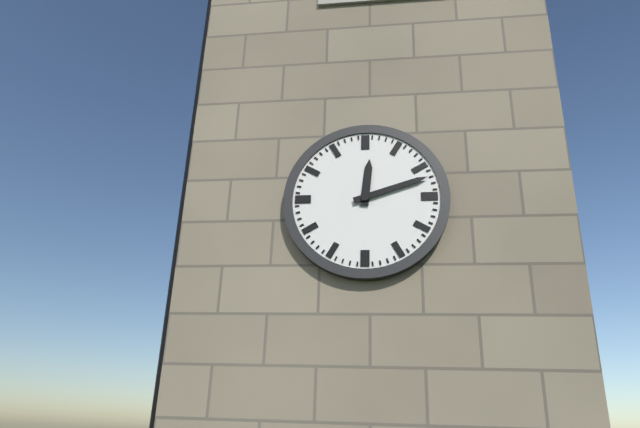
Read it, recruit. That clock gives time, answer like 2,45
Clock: 12,12
